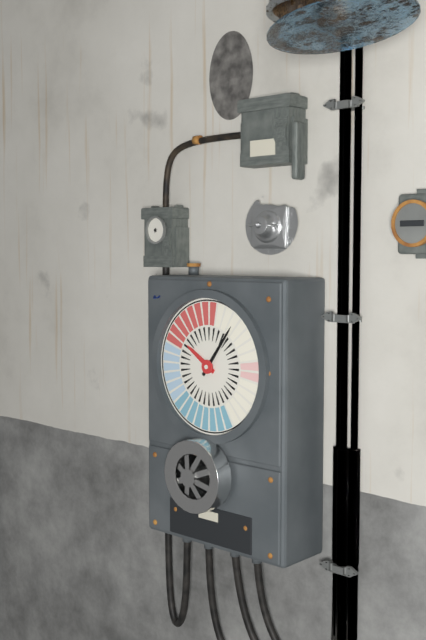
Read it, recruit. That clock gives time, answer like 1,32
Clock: 10,06
